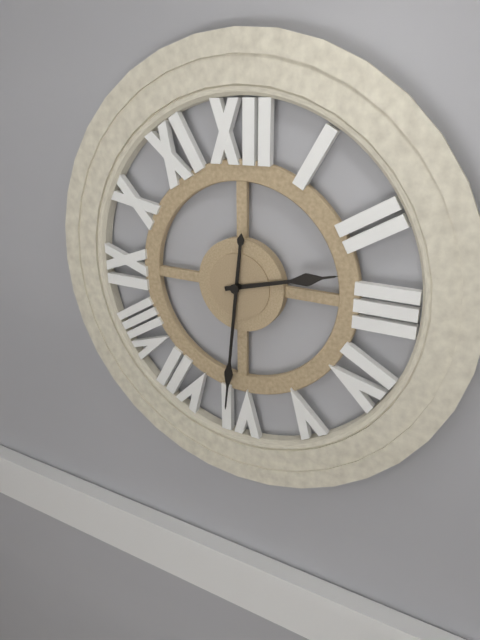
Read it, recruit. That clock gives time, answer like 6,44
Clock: 2,31
